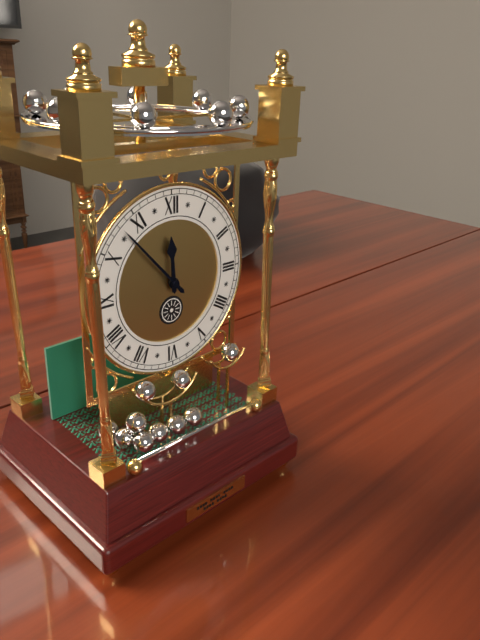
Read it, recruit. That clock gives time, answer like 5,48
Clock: 11,53
